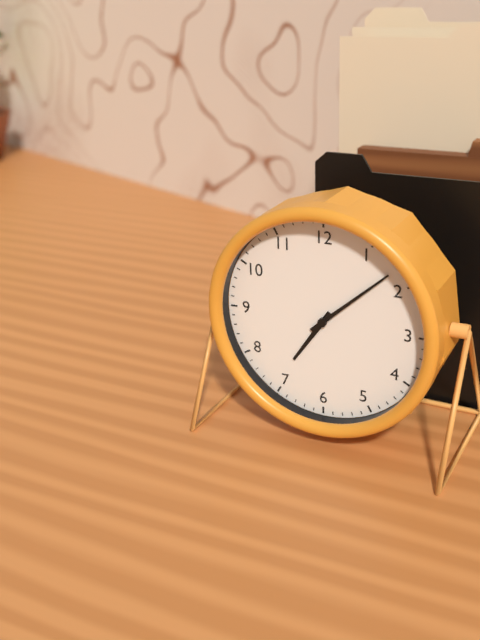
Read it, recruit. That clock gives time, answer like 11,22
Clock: 7,08
